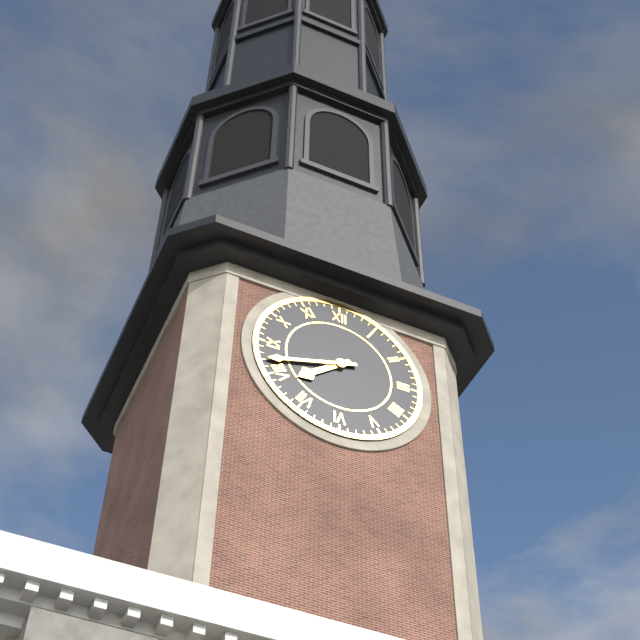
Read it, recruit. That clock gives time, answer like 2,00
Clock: 7,42
